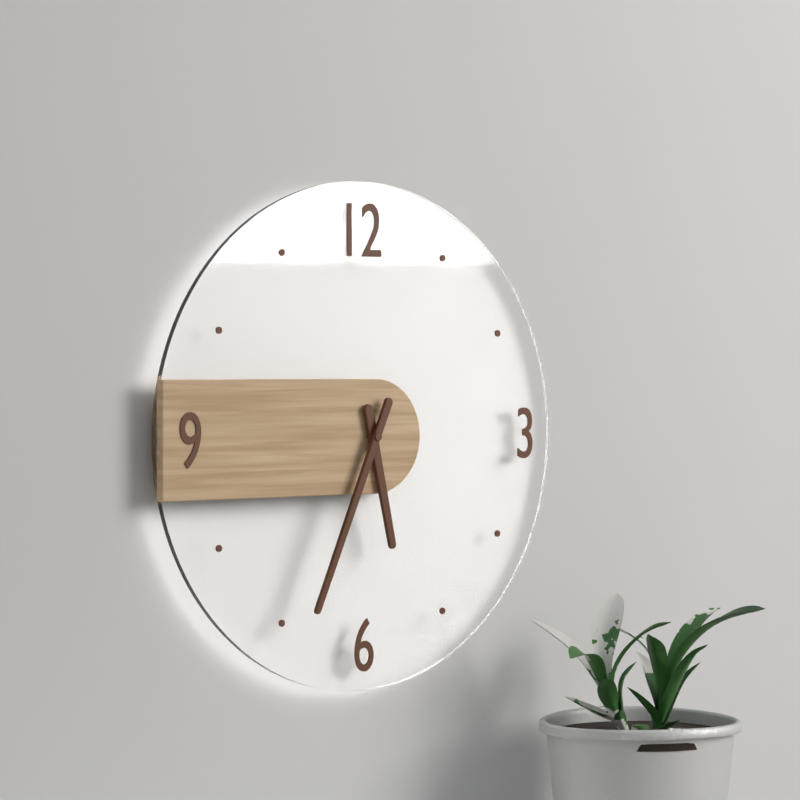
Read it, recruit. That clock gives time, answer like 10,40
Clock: 5,34
